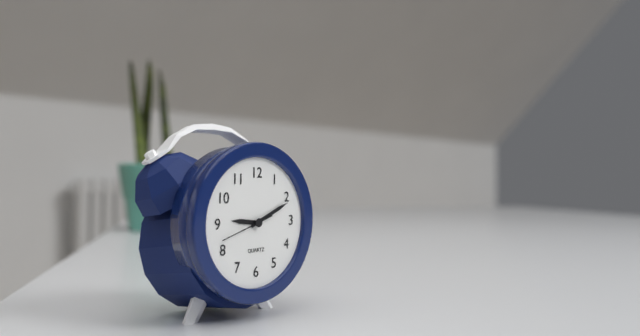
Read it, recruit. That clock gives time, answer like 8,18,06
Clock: 9,11,42
